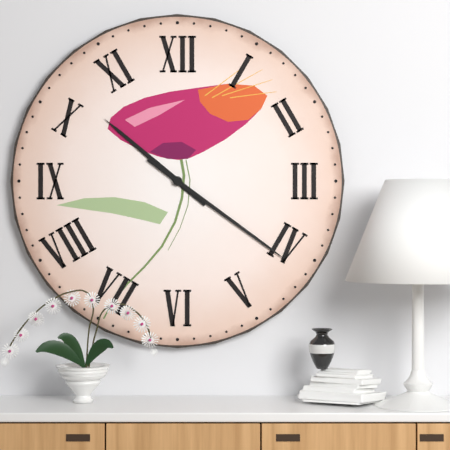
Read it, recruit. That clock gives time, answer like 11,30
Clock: 10,21
